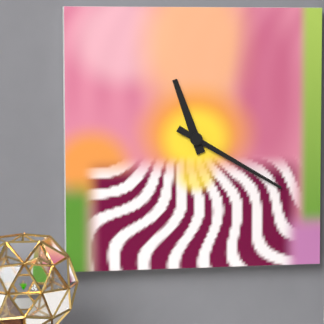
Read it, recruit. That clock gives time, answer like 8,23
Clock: 11,20
